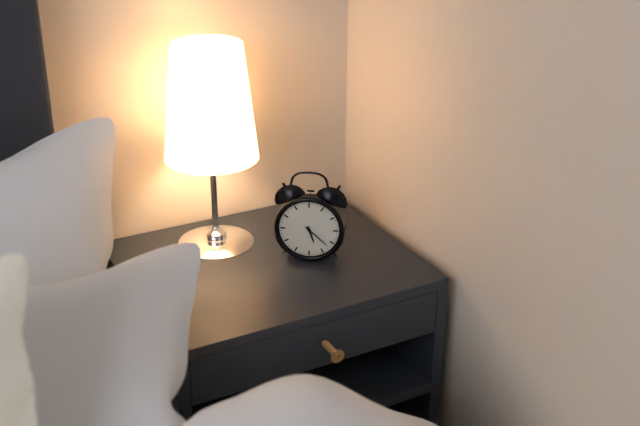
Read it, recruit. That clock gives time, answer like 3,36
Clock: 5,22
